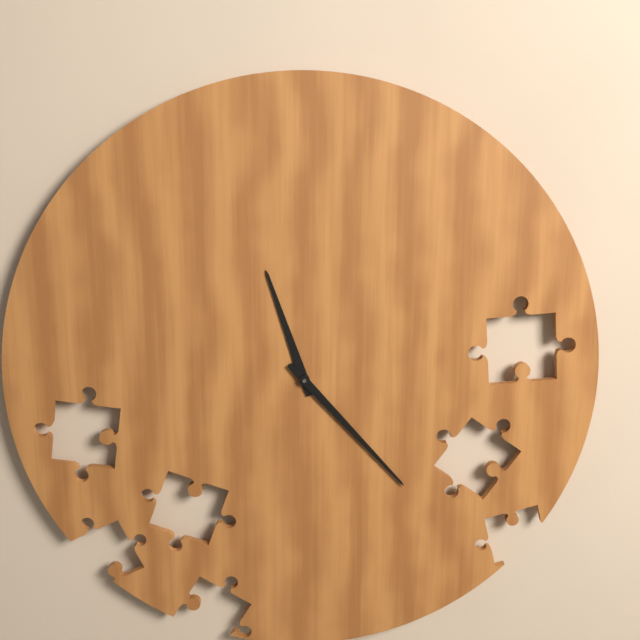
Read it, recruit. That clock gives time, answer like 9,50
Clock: 11,23
